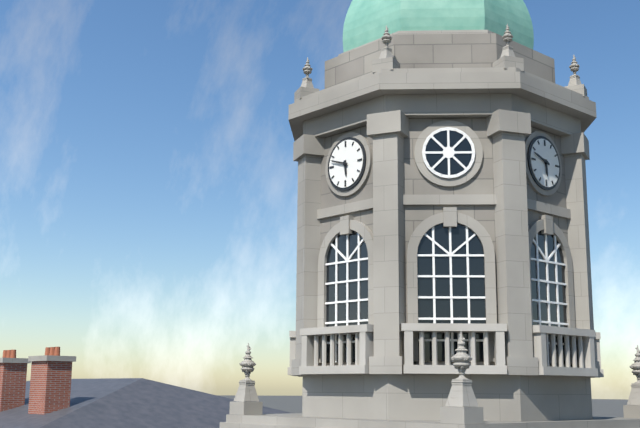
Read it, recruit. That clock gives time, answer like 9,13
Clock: 5,48
